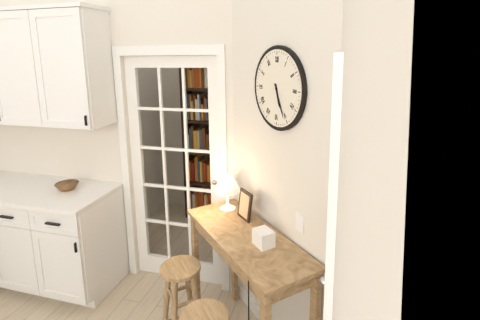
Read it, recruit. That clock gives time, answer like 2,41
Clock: 5,26
